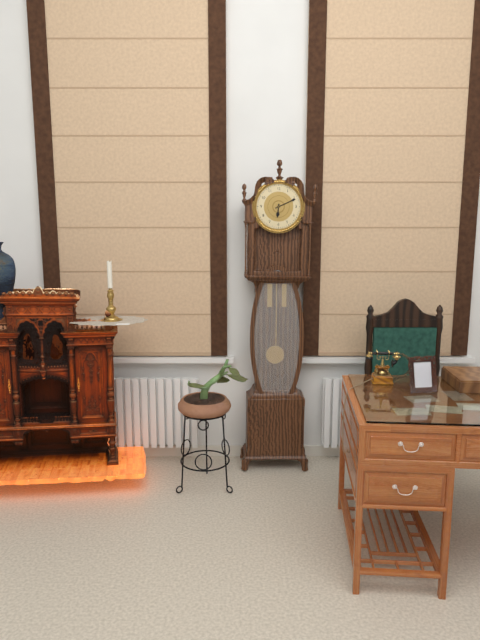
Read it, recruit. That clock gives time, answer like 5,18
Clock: 6,11
